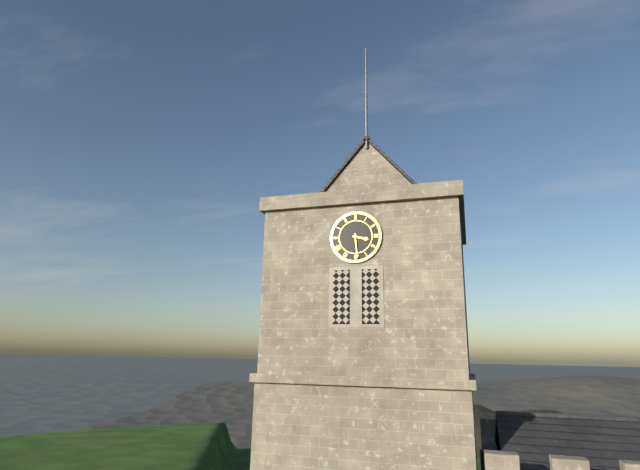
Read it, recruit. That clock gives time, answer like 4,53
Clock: 3,29
